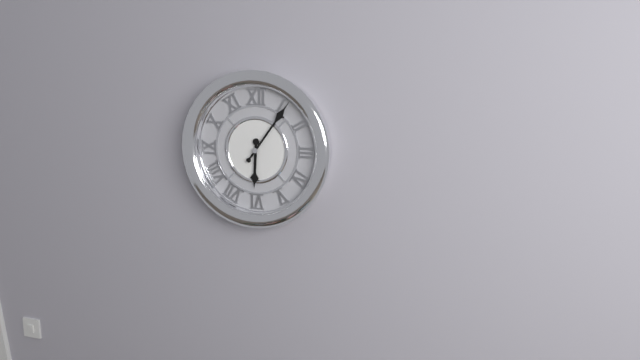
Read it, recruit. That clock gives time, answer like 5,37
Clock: 6,06
